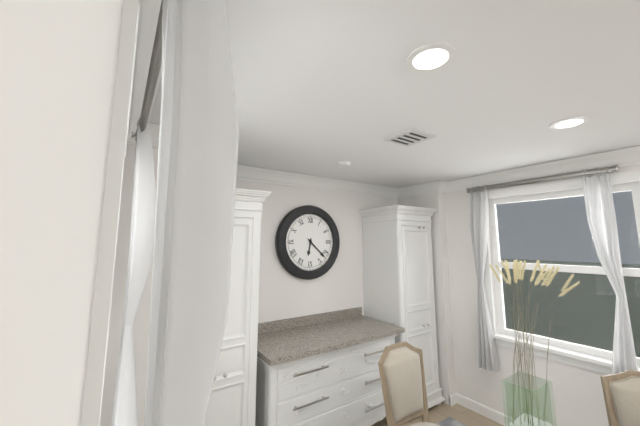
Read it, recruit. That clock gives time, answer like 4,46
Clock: 6,22
